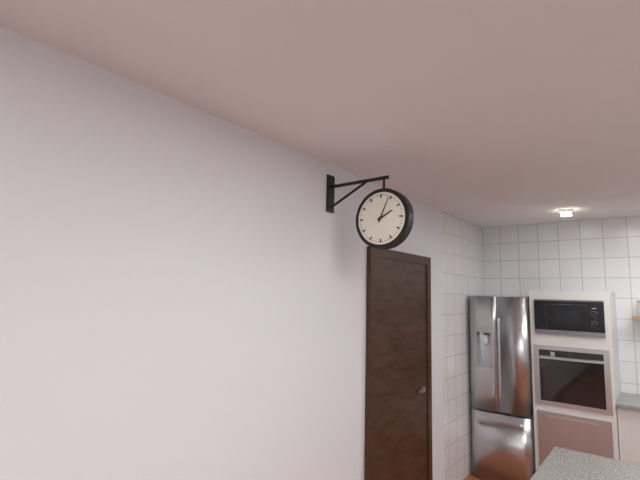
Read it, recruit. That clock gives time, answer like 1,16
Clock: 2,04
